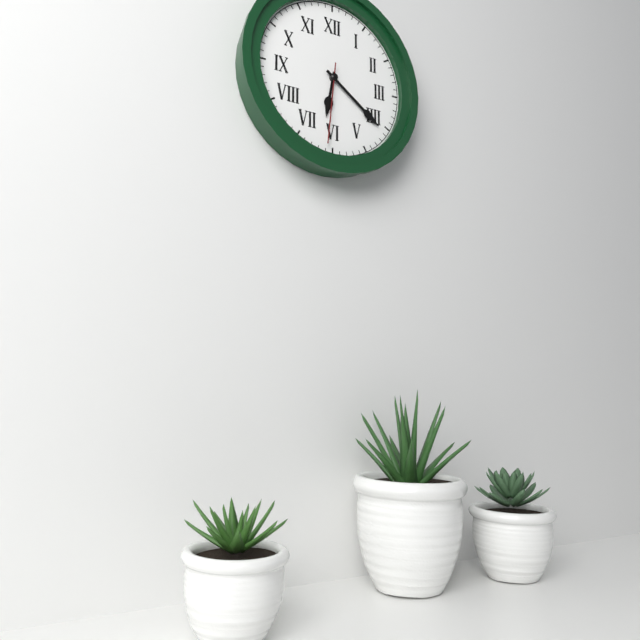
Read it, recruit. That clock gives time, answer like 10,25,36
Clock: 6,21,31
